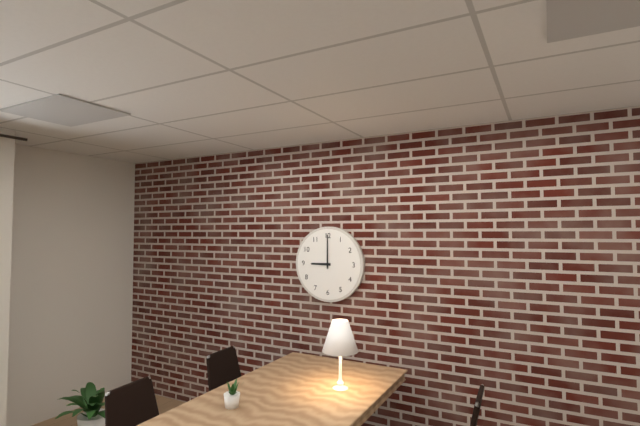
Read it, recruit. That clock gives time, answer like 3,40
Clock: 9,00
